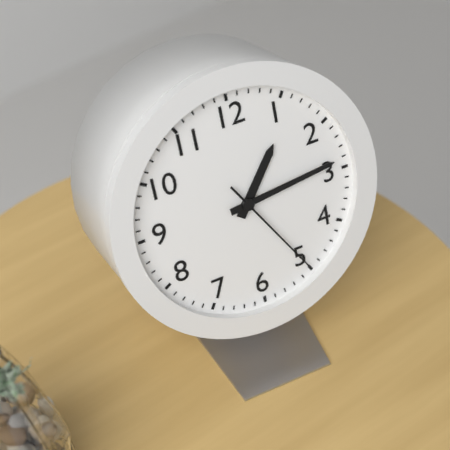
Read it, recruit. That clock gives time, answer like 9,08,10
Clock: 1,14,25
